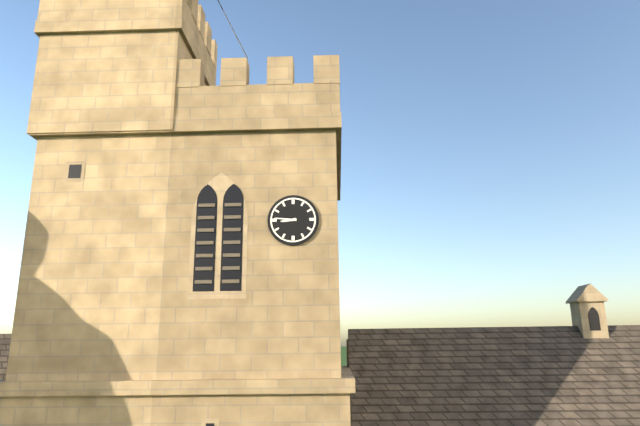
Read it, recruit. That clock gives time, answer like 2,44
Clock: 8,46
